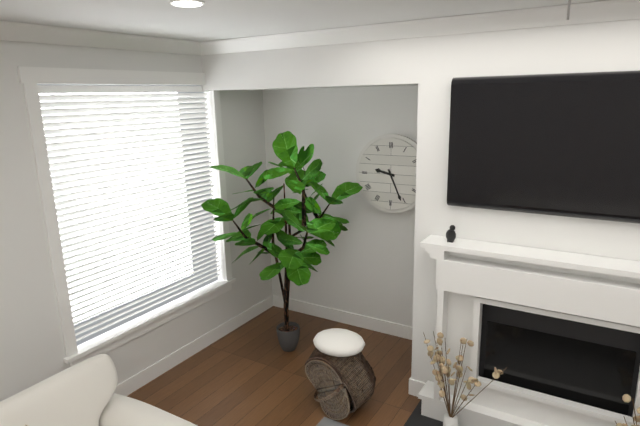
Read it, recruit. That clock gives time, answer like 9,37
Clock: 9,26
